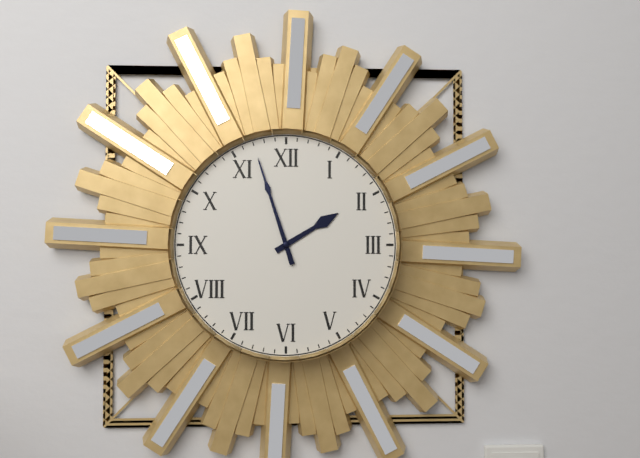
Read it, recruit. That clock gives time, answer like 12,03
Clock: 1,57
